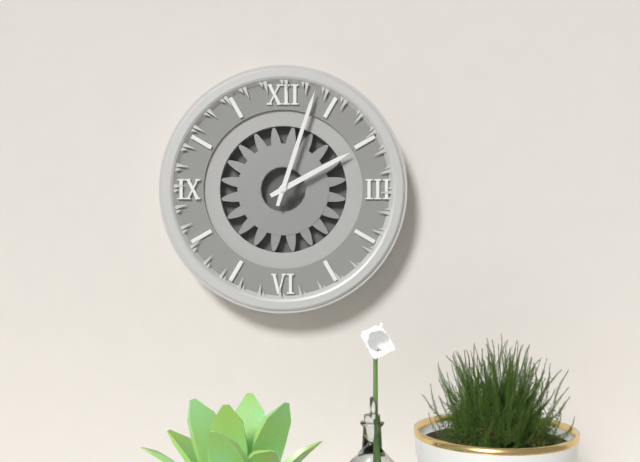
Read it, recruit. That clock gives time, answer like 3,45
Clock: 2,03
